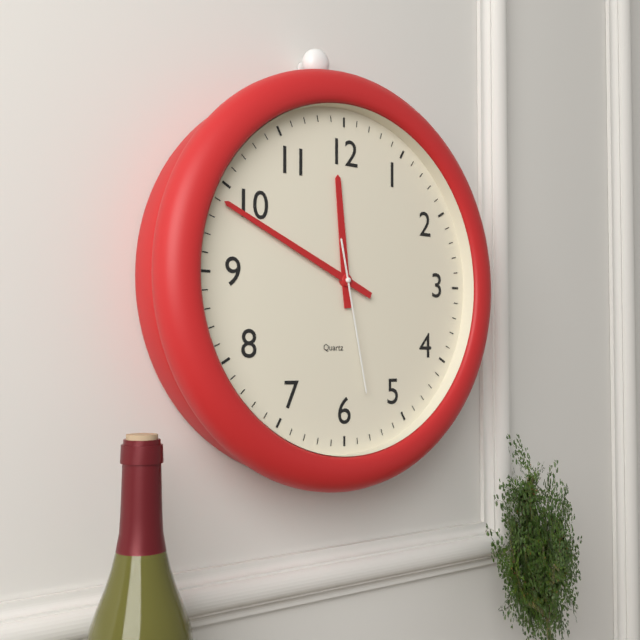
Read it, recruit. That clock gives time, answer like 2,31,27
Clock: 11,49,28
